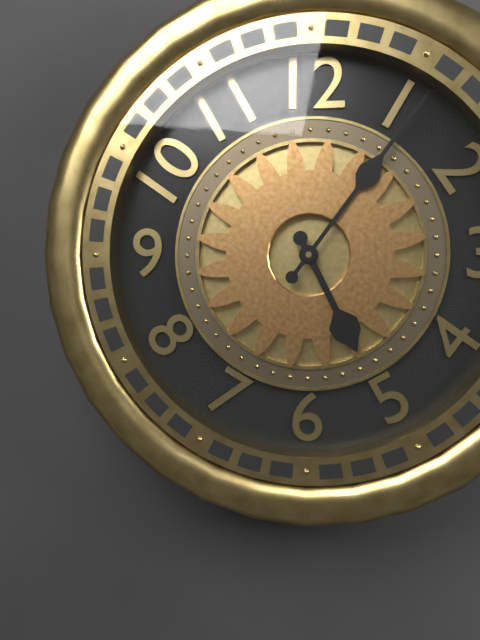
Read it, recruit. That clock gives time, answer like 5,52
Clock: 5,06
